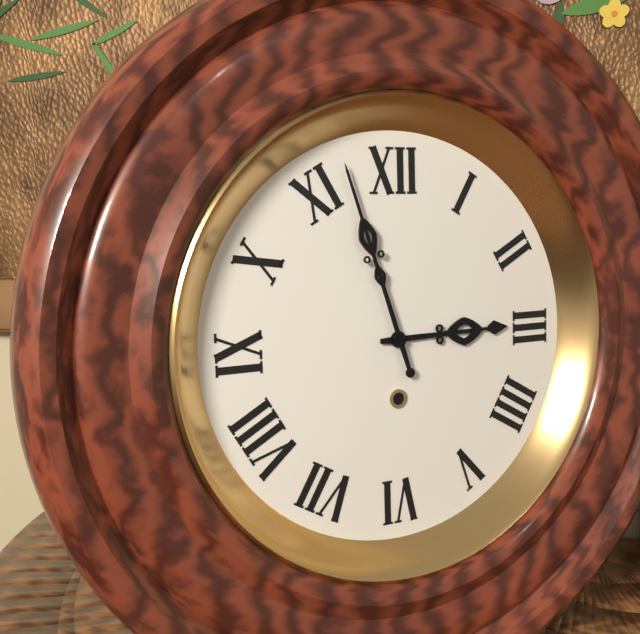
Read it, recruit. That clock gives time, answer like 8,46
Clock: 2,57
